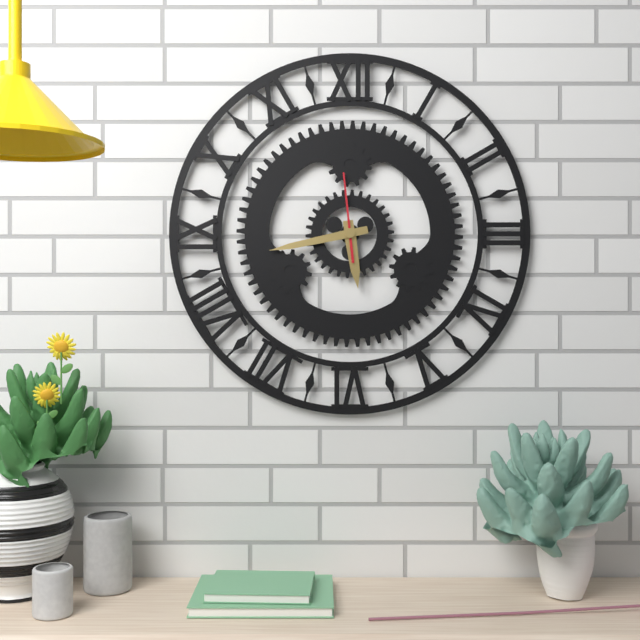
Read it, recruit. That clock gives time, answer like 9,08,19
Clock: 5,43,59
